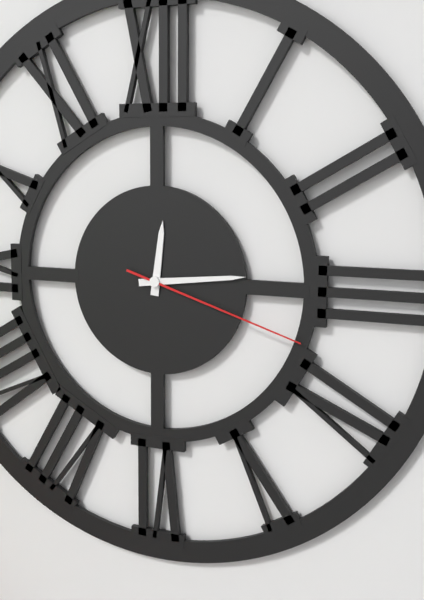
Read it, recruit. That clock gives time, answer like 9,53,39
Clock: 12,14,18
